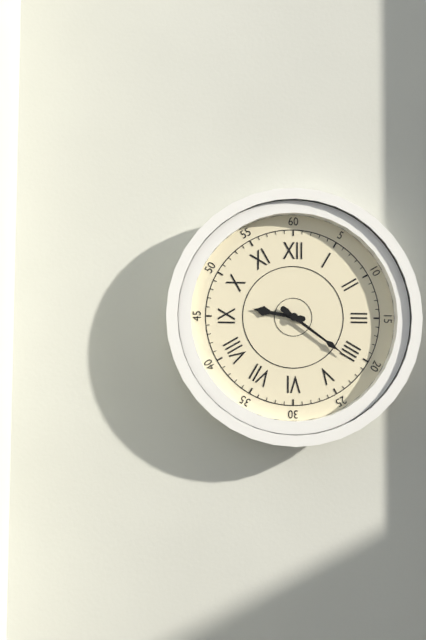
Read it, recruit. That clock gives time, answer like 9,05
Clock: 9,21
